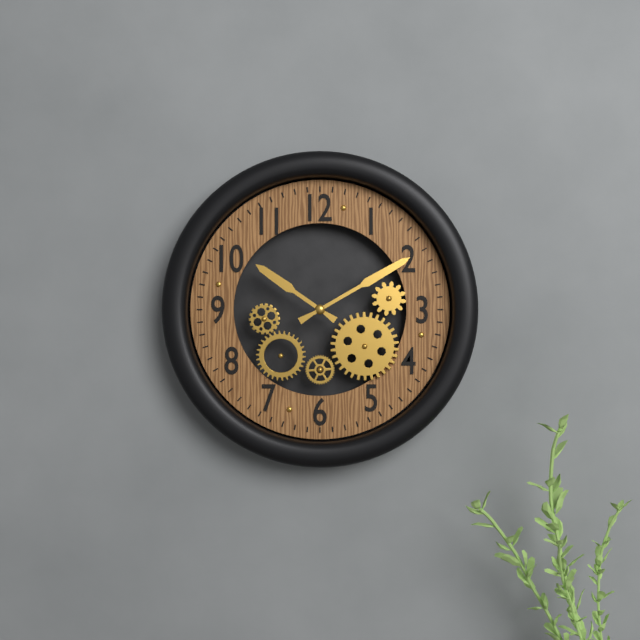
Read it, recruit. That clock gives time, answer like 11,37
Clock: 10,10
